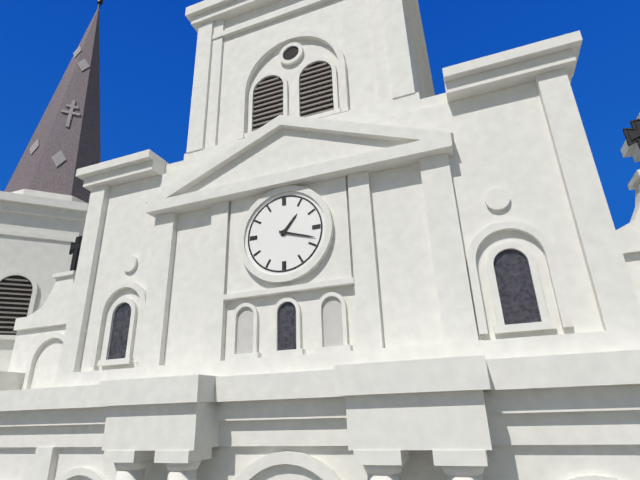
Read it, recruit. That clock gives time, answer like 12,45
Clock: 1,18
